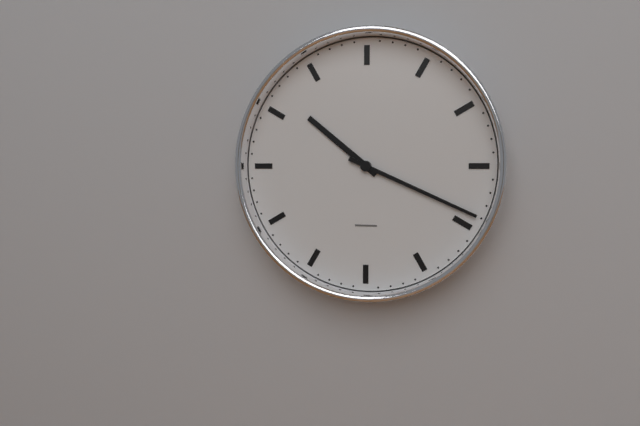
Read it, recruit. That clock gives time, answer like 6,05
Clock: 10,19
